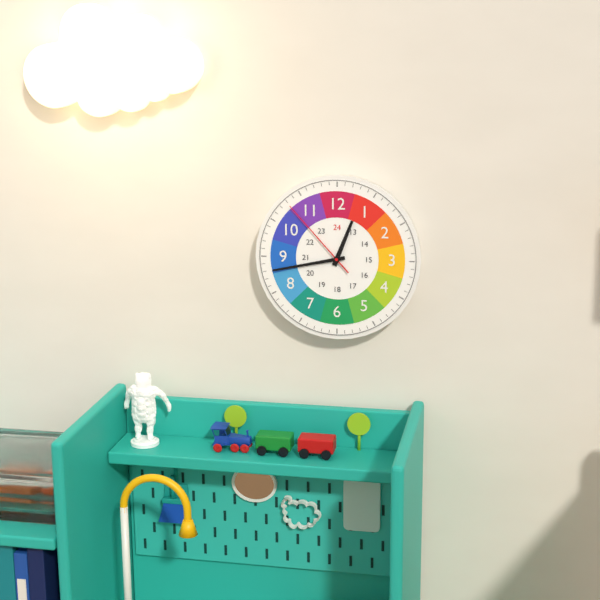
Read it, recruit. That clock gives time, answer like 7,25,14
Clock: 12,43,53
